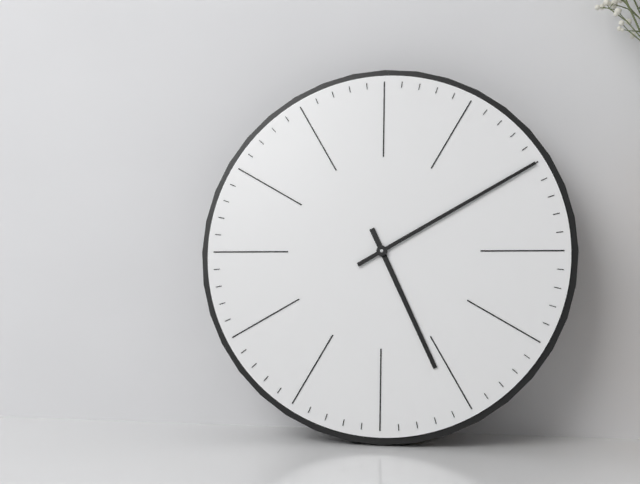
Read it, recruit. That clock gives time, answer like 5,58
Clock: 5,10
